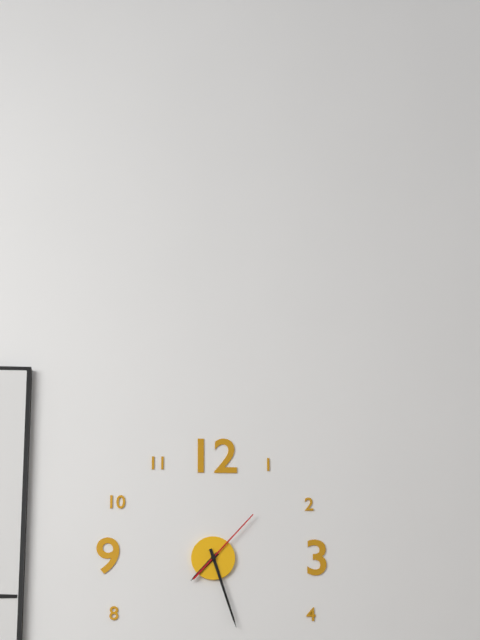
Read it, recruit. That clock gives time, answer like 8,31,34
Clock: 7,27,07
